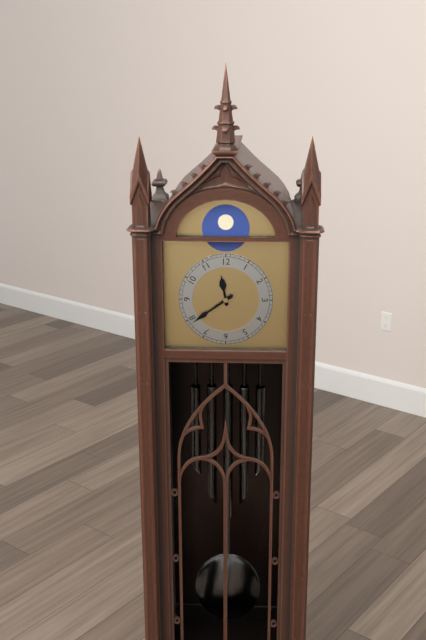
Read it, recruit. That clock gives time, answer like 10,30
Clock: 11,39
